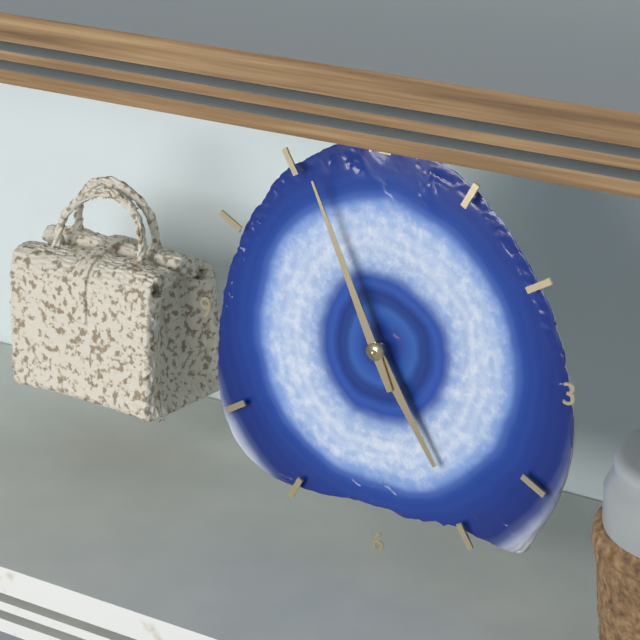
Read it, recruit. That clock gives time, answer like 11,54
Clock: 4,56
